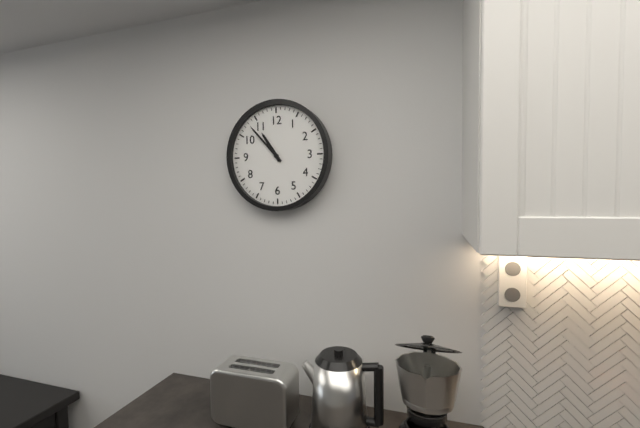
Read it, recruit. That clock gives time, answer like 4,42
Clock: 10,53
